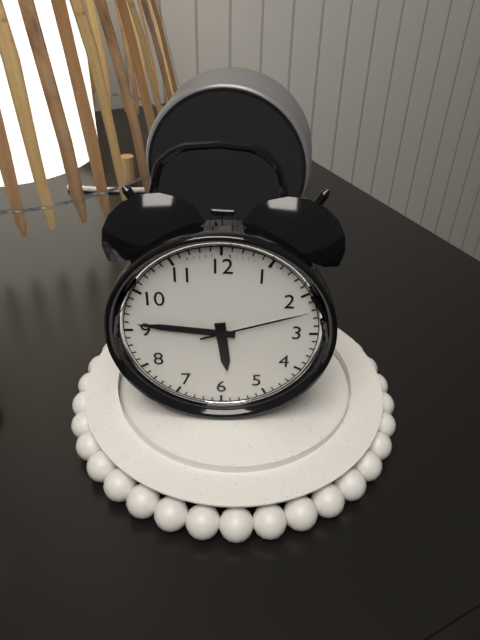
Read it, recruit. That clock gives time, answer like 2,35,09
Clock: 5,46,12
